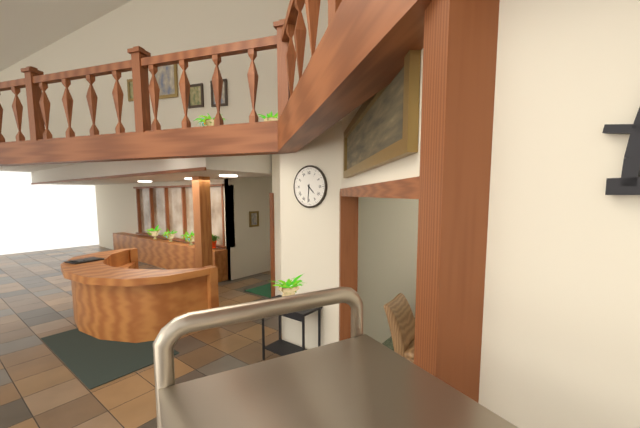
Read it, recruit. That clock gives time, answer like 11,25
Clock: 4,31
